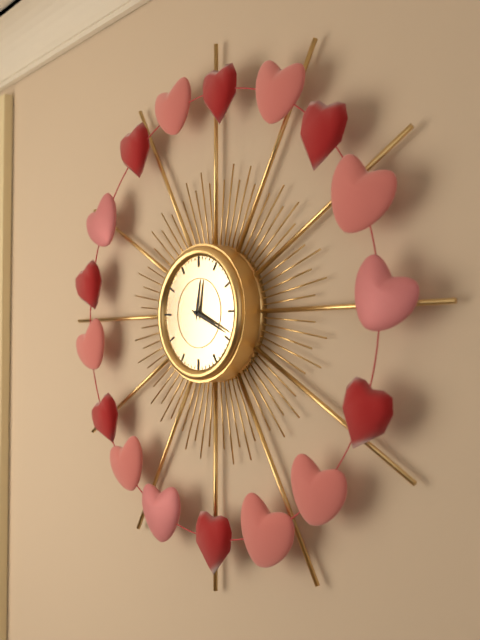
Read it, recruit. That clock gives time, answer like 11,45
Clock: 12,19
